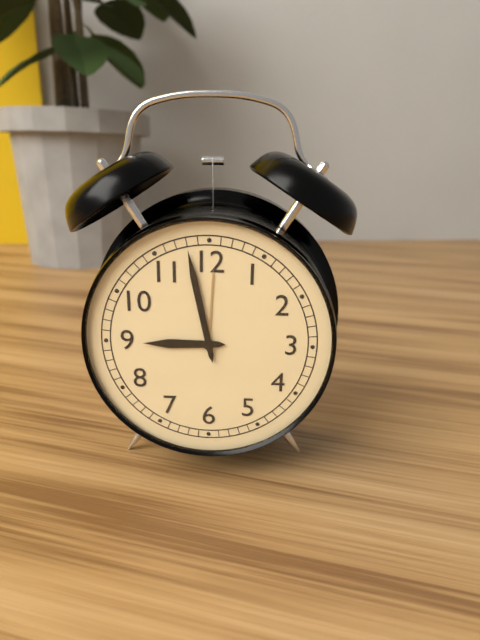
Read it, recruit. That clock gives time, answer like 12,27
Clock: 8,58
